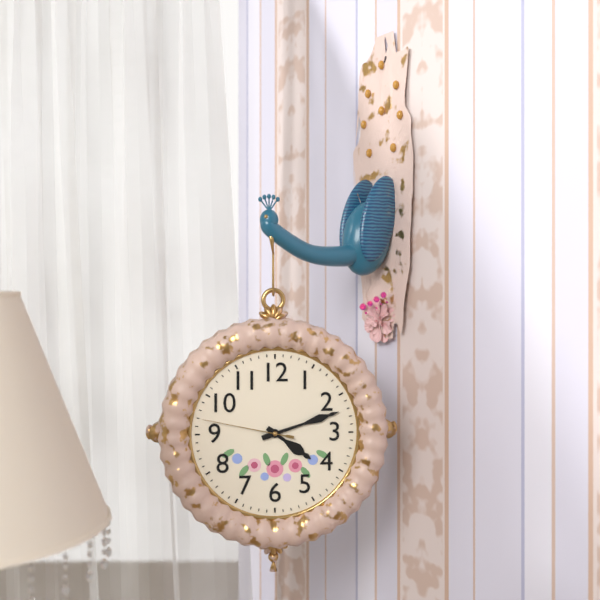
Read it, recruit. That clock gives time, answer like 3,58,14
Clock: 4,12,47
